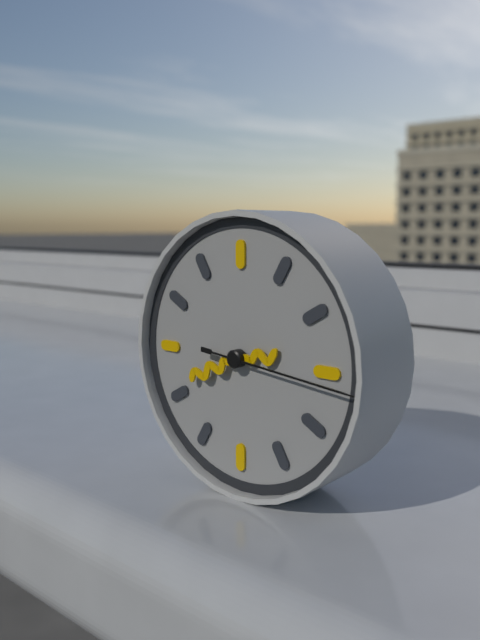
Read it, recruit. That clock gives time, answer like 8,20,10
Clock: 2,41,16
